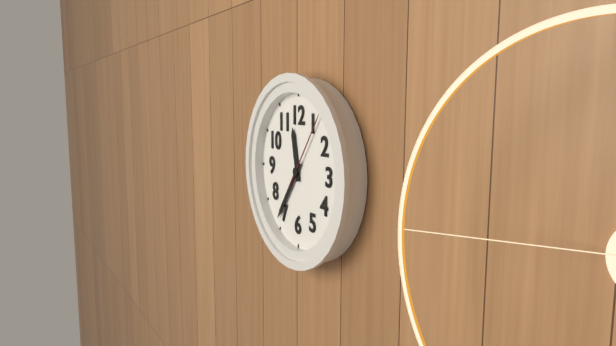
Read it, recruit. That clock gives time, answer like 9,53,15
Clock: 11,36,06
